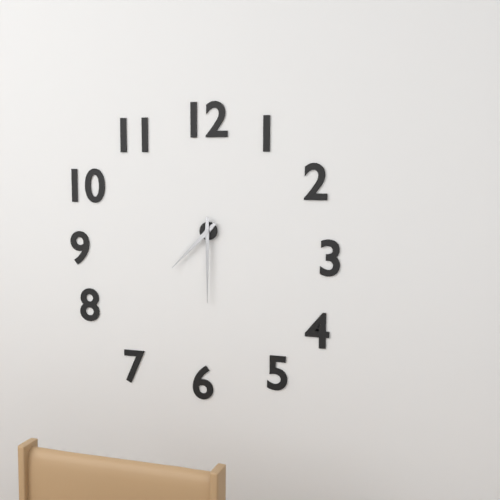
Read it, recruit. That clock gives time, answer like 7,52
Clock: 7,30
